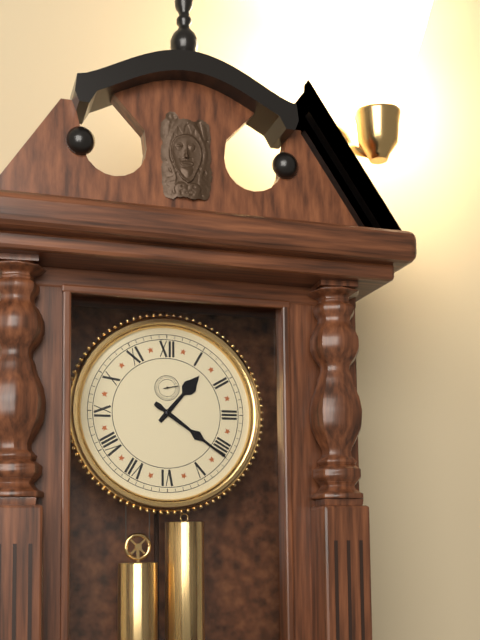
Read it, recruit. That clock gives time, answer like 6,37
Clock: 1,21
